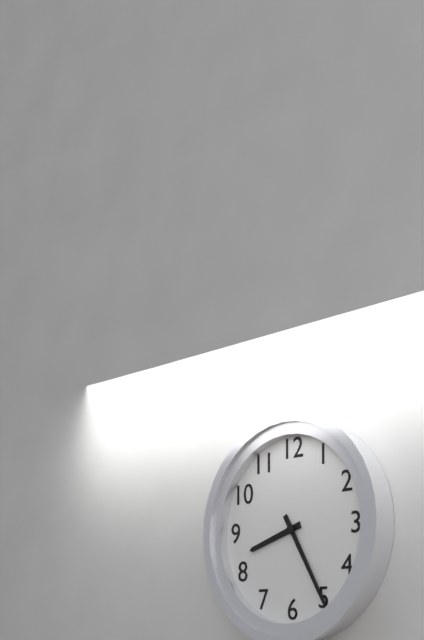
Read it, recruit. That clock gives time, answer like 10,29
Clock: 8,25
